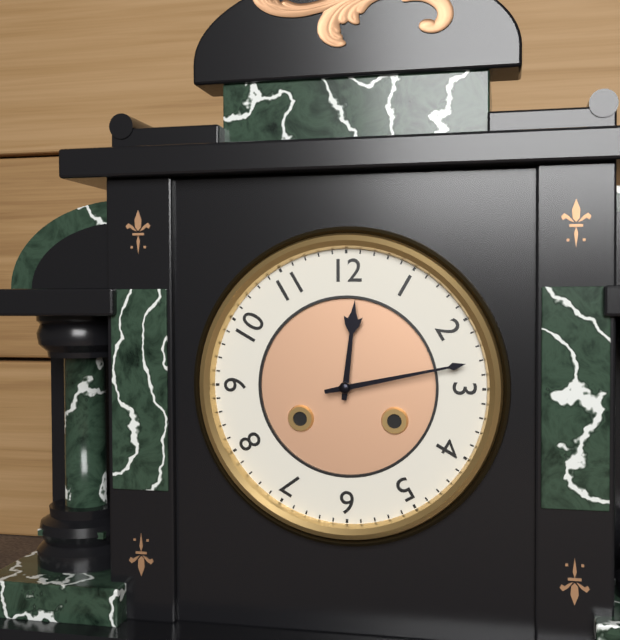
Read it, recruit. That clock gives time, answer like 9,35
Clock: 12,13
